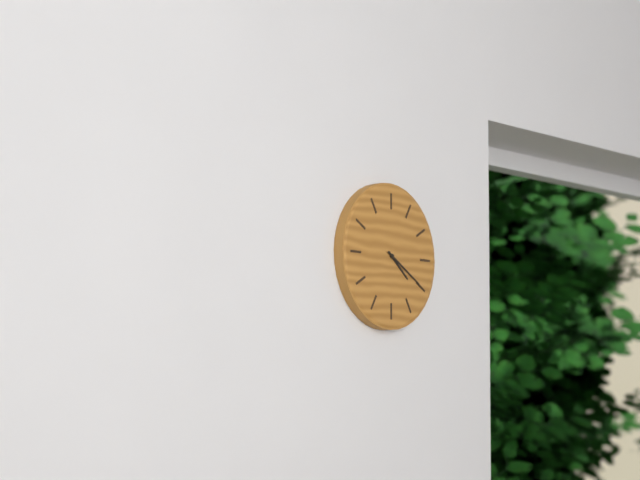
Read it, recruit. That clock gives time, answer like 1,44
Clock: 4,20
